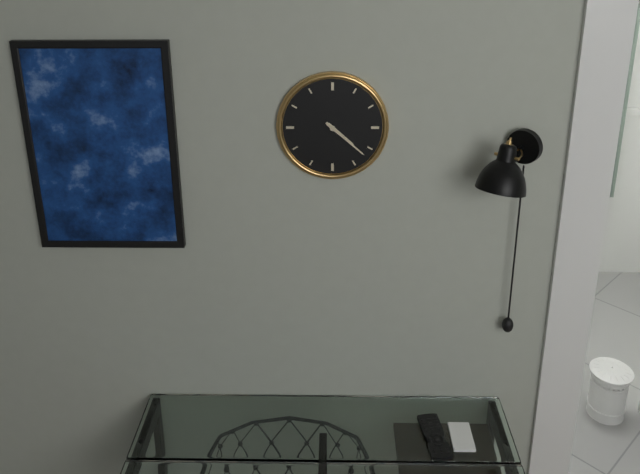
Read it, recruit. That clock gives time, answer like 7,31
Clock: 4,22
